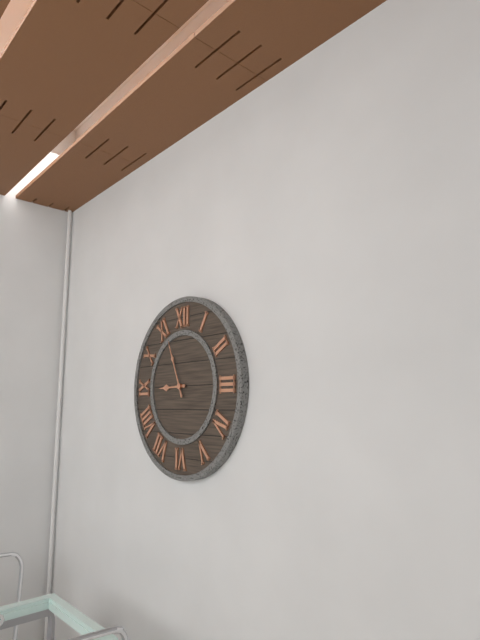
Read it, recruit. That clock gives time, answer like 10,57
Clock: 8,56
